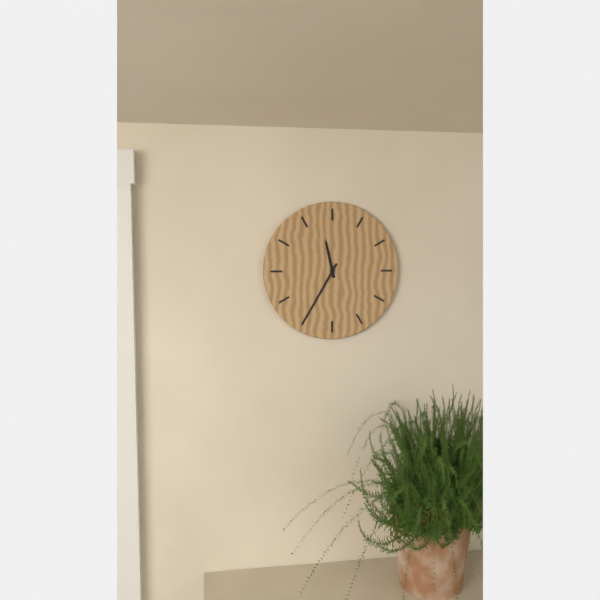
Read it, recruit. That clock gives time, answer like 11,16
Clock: 11,35
